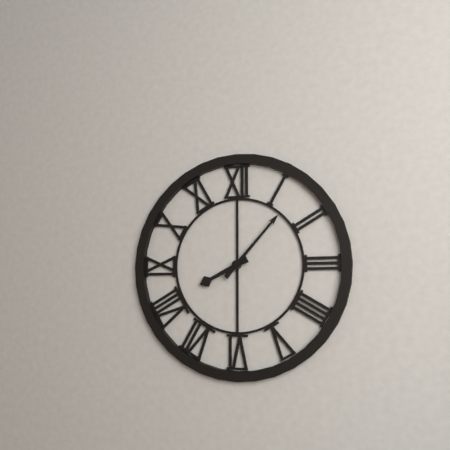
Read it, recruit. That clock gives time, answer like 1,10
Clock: 8,07
